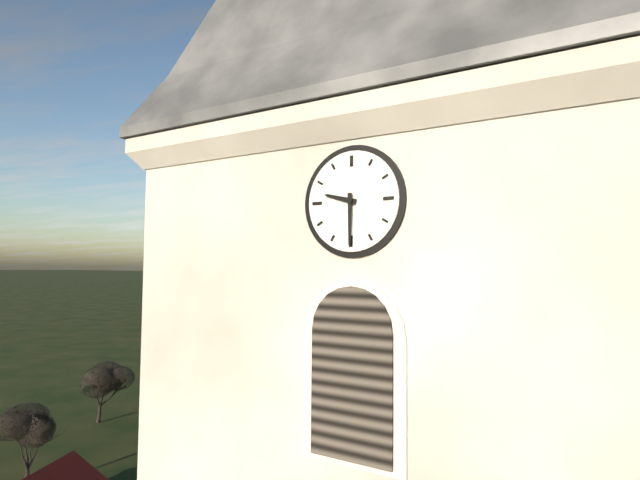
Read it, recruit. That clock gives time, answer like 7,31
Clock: 9,30
